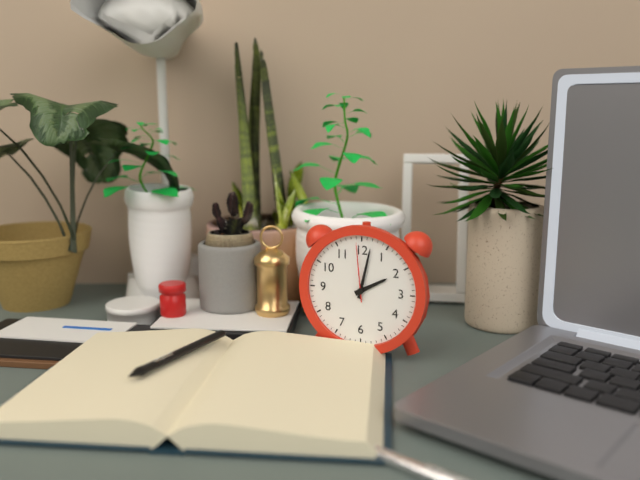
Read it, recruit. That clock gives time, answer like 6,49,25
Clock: 2,02,59
